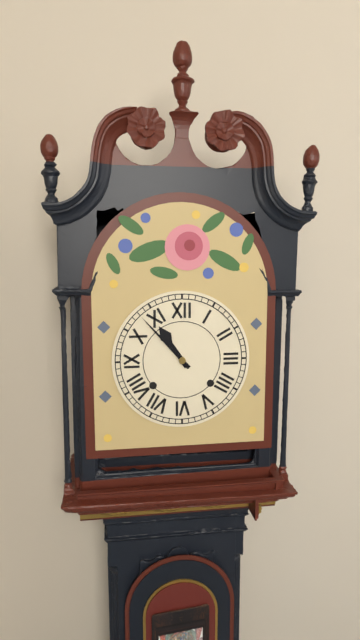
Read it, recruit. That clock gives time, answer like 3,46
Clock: 10,53
